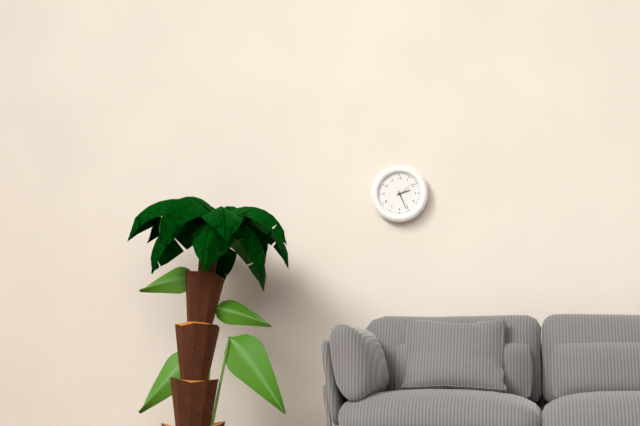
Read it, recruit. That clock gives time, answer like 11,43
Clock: 2,26
